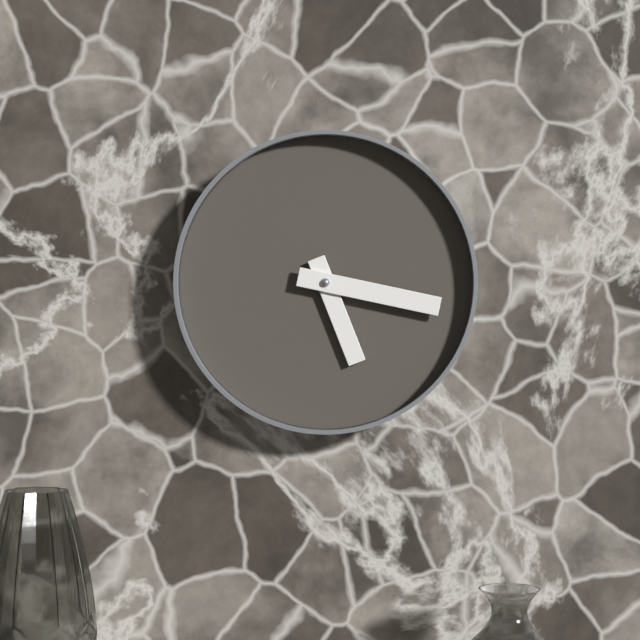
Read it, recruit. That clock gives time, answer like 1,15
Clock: 5,17
